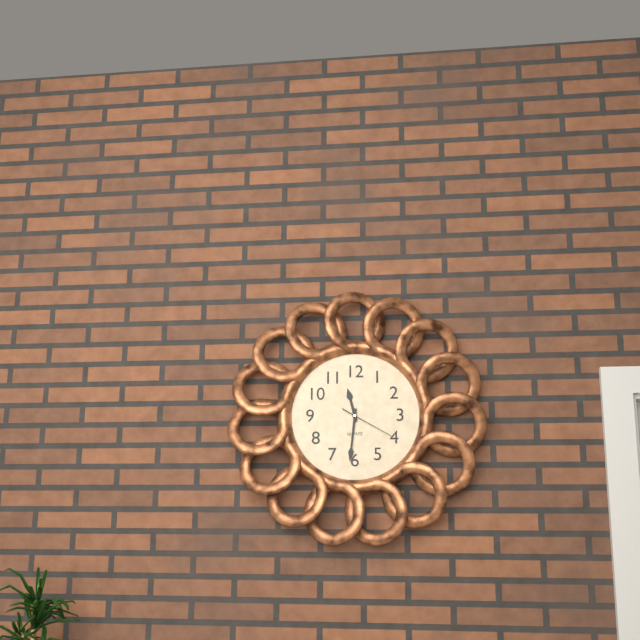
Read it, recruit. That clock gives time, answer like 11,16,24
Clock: 11,31,20
